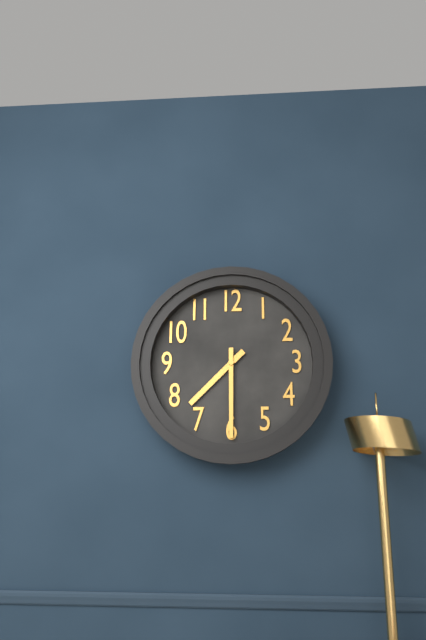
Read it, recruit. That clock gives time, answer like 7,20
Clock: 7,30
